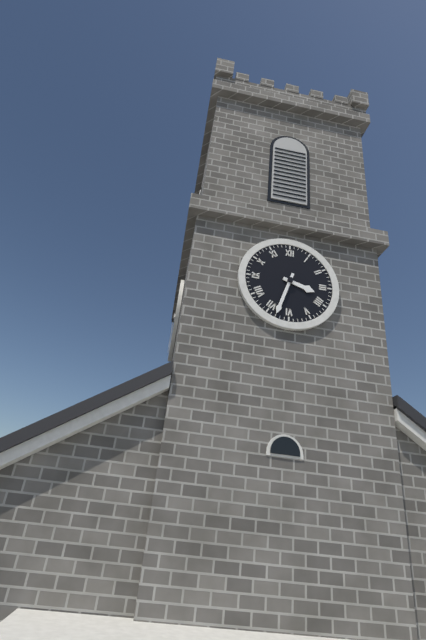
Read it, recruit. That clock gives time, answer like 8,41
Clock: 3,33
